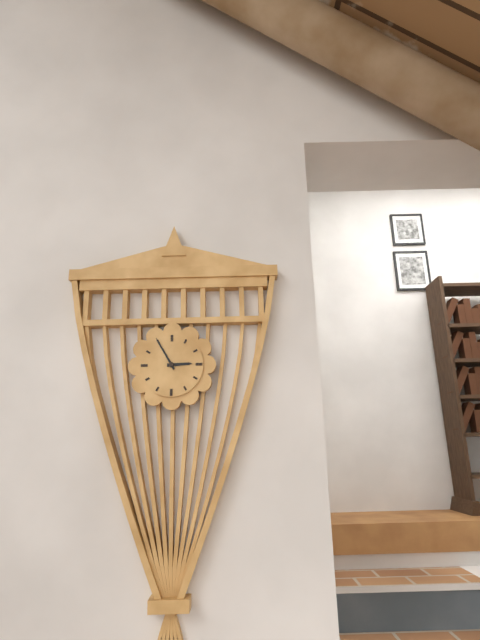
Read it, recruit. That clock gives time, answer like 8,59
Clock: 2,55
